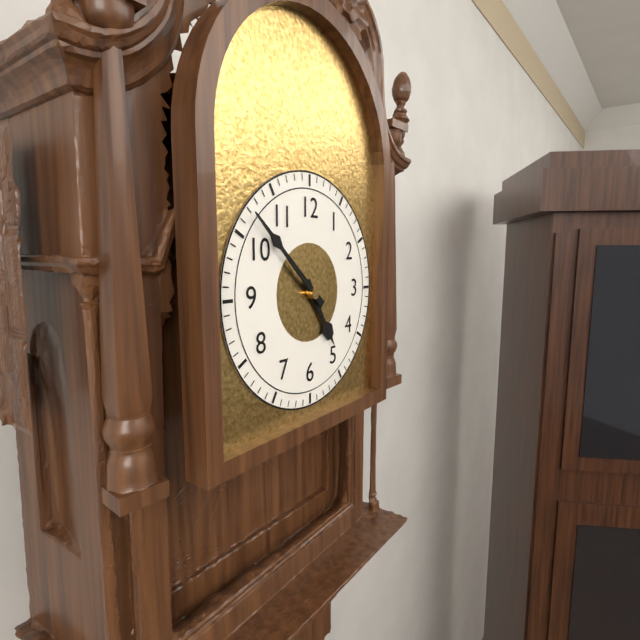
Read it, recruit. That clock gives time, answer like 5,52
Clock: 4,52
